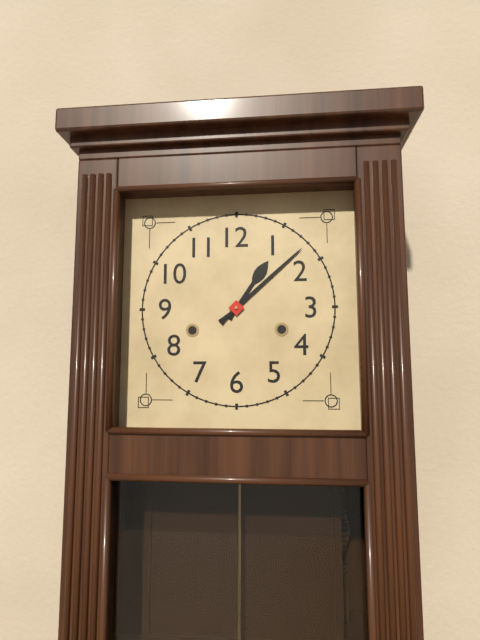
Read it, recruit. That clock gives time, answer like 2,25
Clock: 1,08
